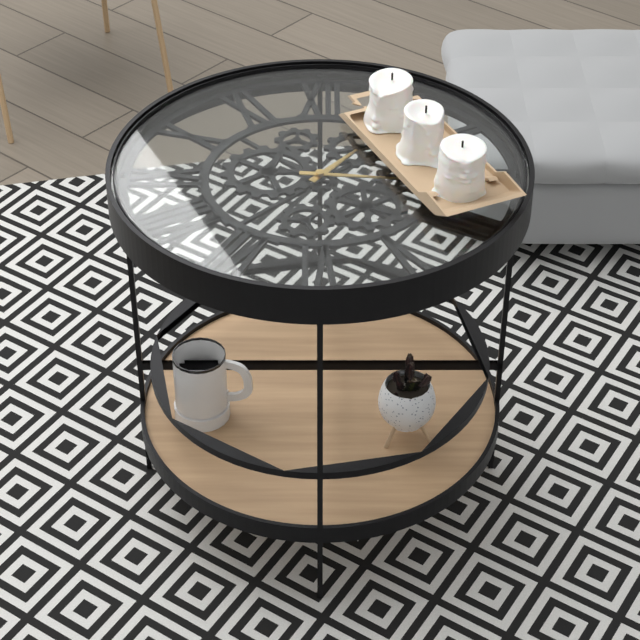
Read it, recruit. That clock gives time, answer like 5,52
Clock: 1,16
